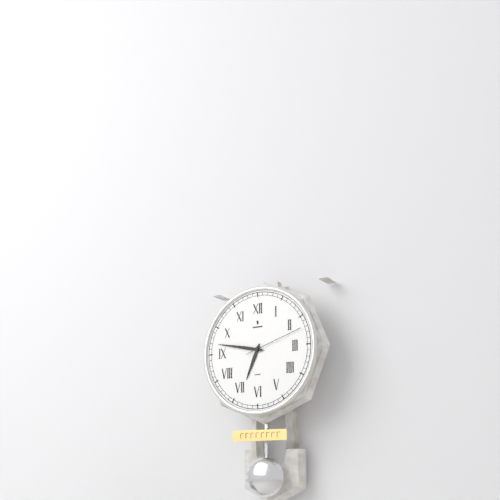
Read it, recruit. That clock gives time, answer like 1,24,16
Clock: 6,47,12
